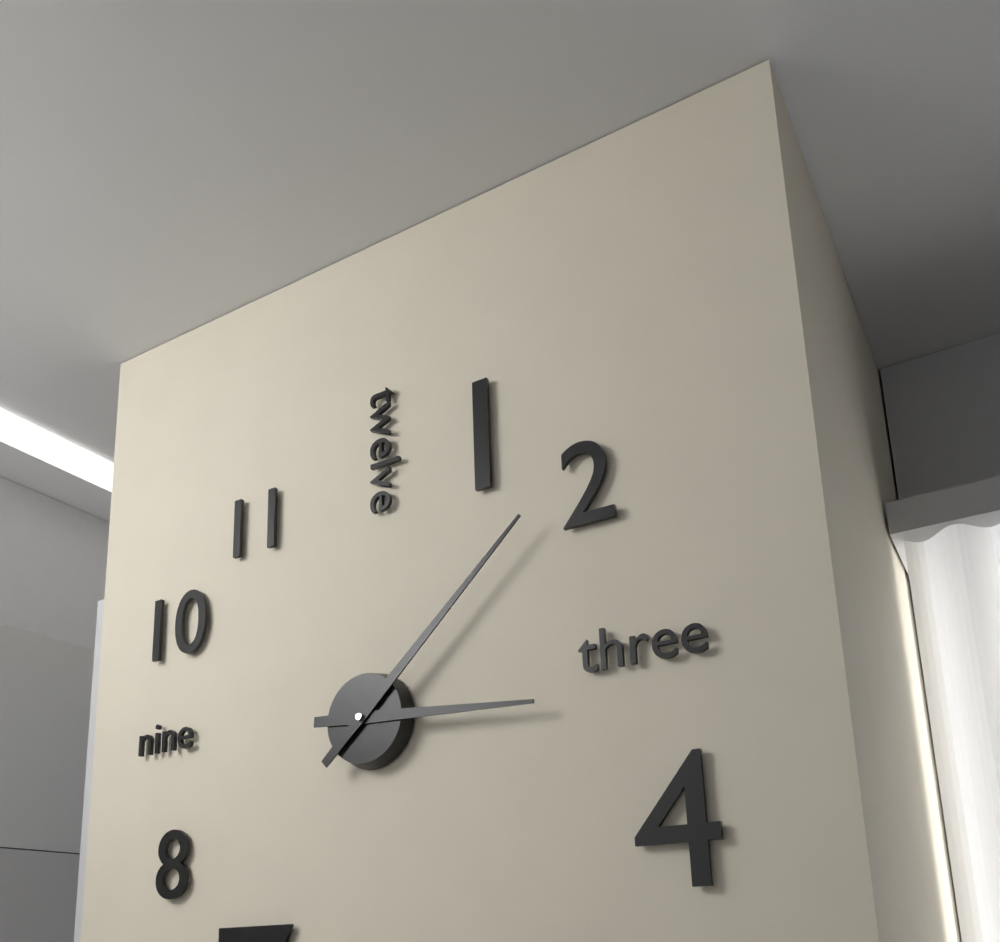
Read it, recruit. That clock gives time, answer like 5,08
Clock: 3,08
